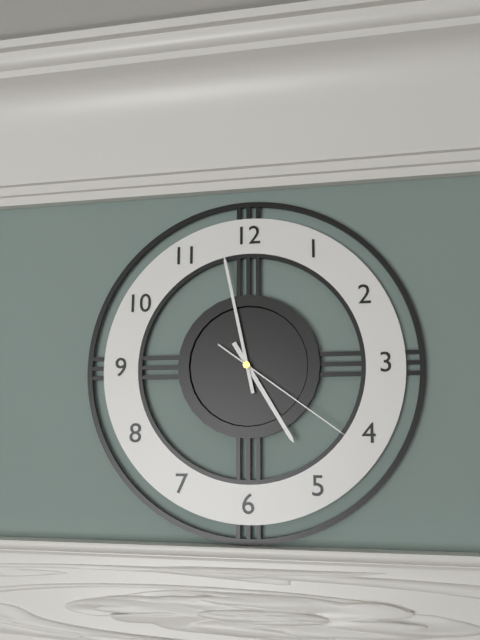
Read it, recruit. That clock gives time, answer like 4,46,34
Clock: 4,58,21
